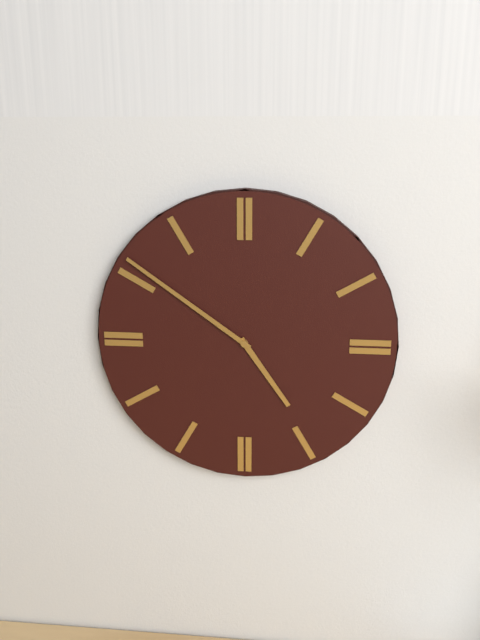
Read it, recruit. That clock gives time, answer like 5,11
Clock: 4,51
